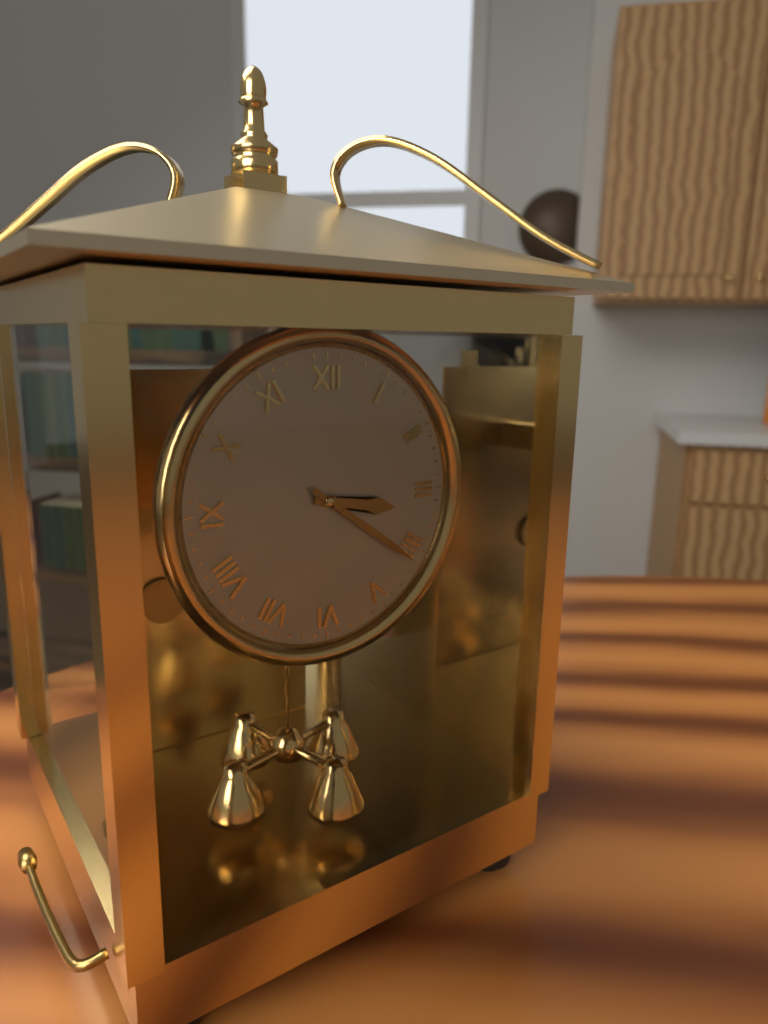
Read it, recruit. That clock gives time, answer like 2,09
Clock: 3,21
